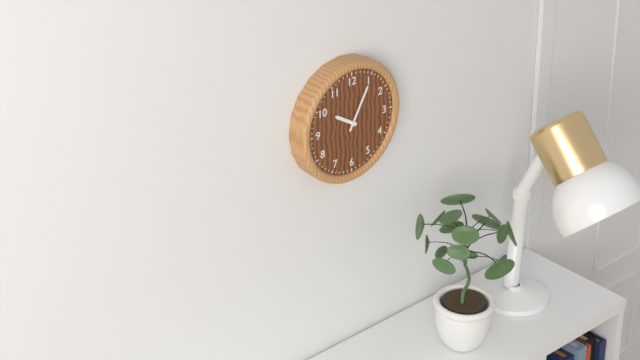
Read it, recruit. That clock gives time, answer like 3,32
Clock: 10,05
